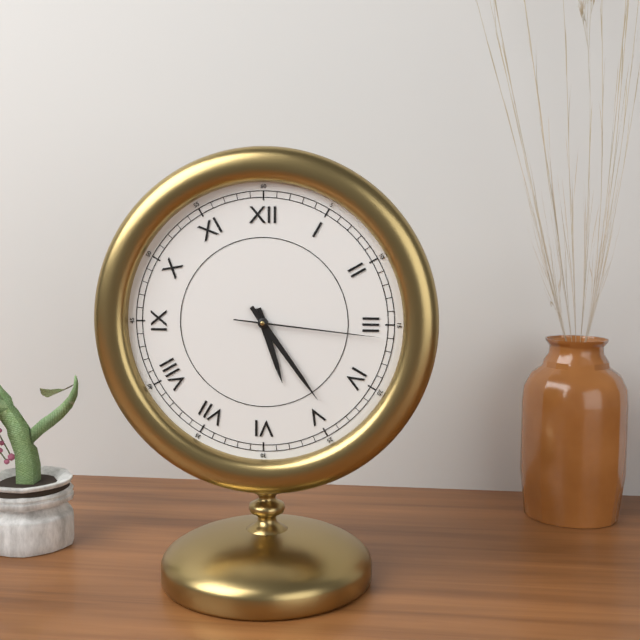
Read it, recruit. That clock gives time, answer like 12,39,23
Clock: 5,24,16
